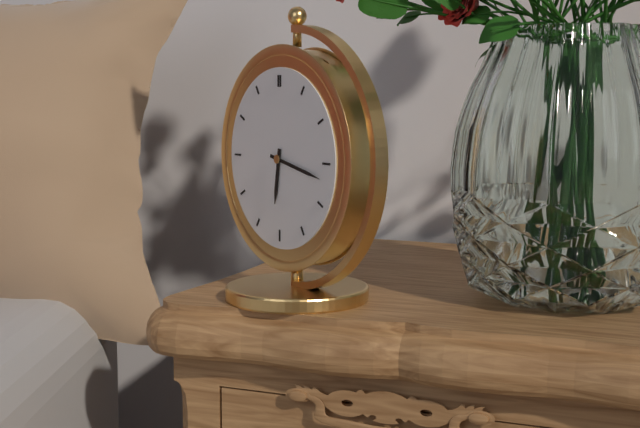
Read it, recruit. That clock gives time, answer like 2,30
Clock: 6,17
